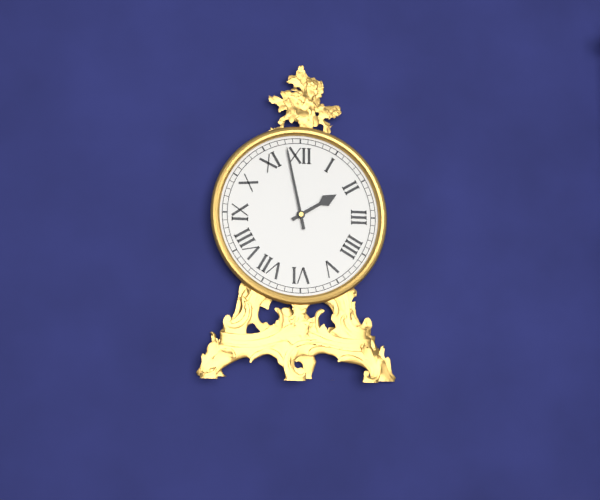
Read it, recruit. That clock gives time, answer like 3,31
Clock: 1,58
